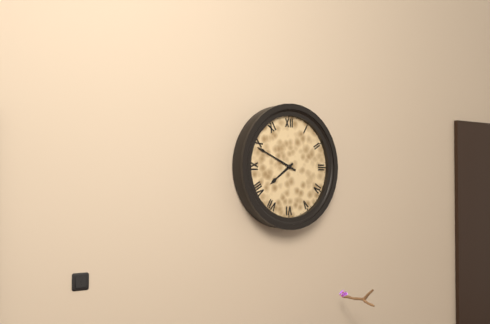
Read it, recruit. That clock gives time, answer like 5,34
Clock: 7,49
